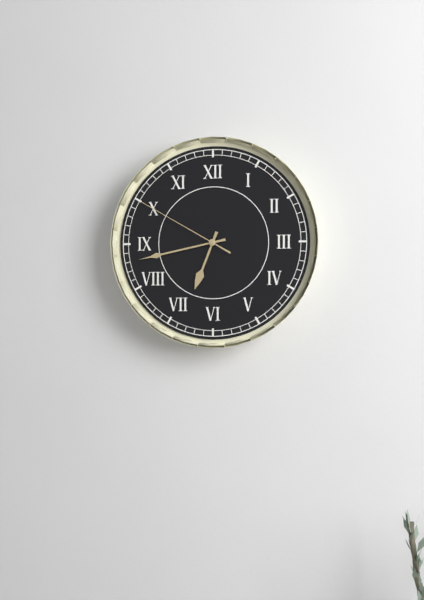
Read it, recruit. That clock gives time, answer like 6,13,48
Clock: 6,43,50
